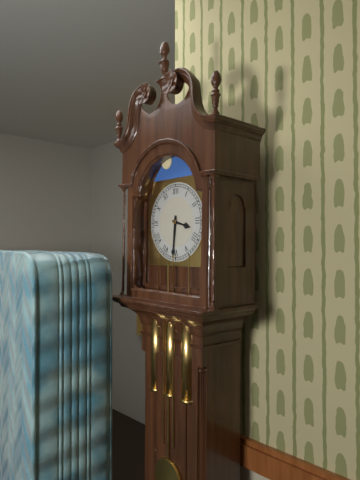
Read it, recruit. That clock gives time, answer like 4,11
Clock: 3,31
